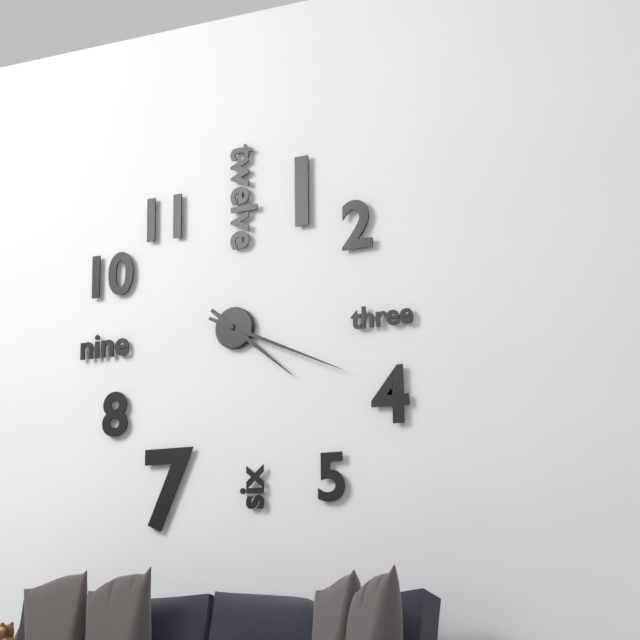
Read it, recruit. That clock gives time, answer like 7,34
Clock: 4,19
